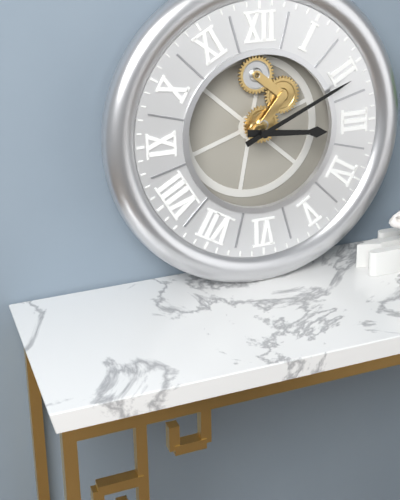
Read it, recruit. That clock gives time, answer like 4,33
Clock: 3,11
